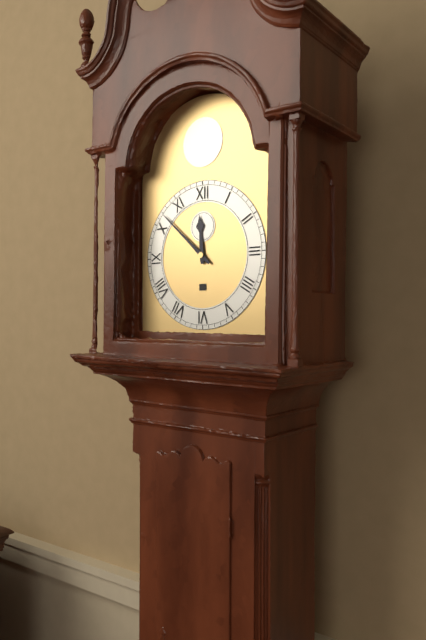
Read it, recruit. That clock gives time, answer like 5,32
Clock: 11,52
